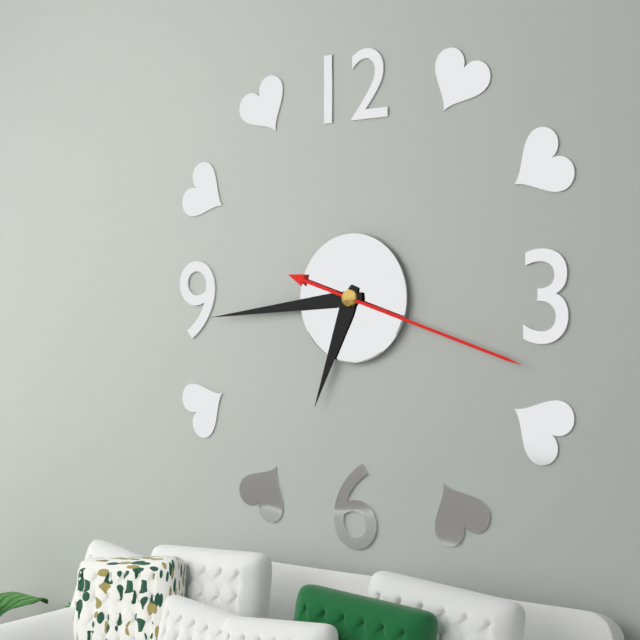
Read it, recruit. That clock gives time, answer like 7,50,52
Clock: 6,44,18
